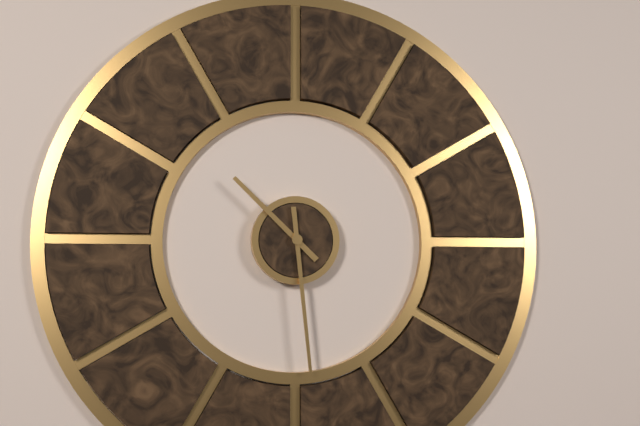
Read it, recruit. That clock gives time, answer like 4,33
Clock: 10,29
